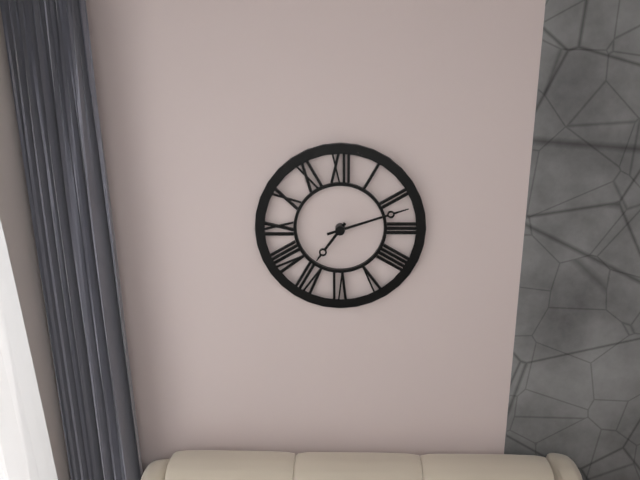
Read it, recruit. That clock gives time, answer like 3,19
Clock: 7,12
